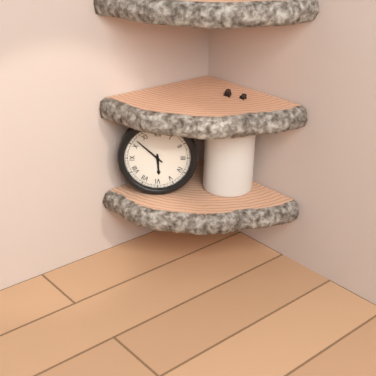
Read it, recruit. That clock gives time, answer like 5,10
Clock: 5,52
